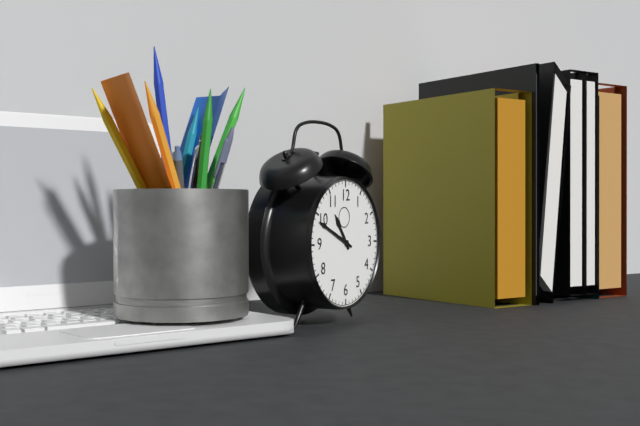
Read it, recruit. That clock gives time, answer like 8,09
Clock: 10,49
